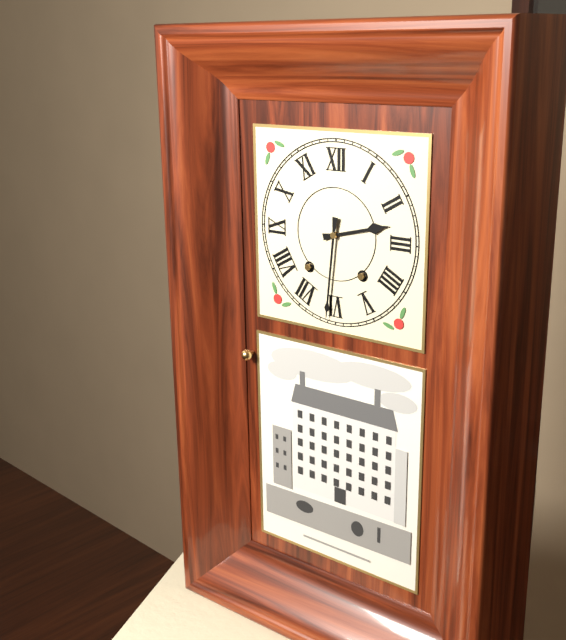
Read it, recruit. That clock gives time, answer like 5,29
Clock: 2,31
